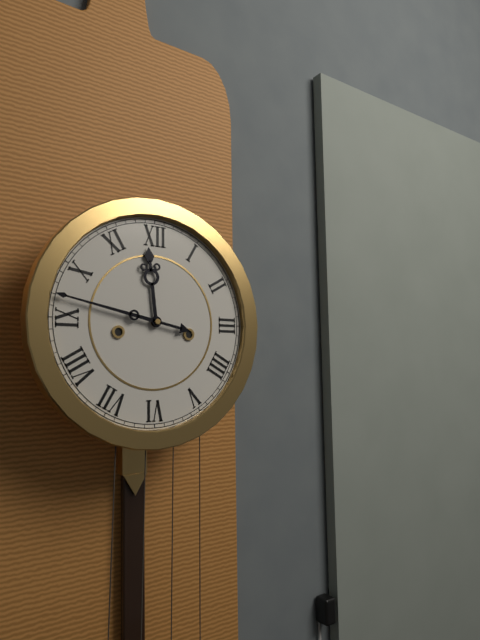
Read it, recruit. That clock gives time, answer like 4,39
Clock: 11,47
